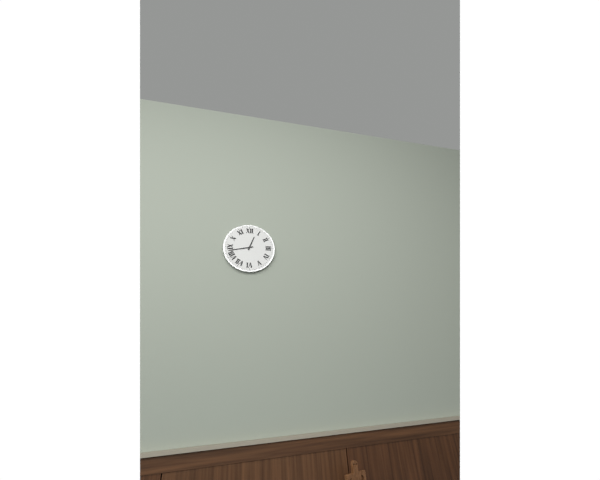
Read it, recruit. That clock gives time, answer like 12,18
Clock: 12,43
